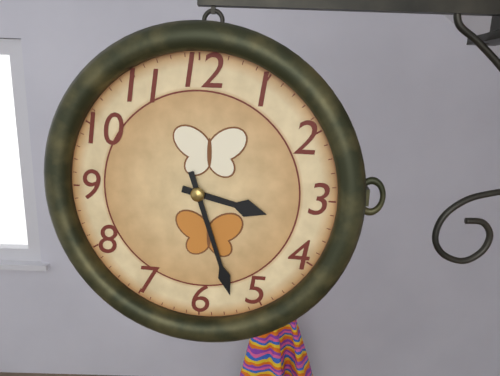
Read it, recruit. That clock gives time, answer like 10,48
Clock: 3,27
